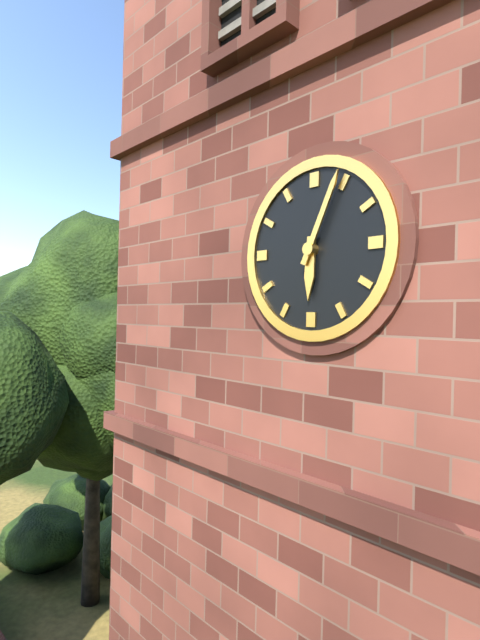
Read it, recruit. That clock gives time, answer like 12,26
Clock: 6,04
